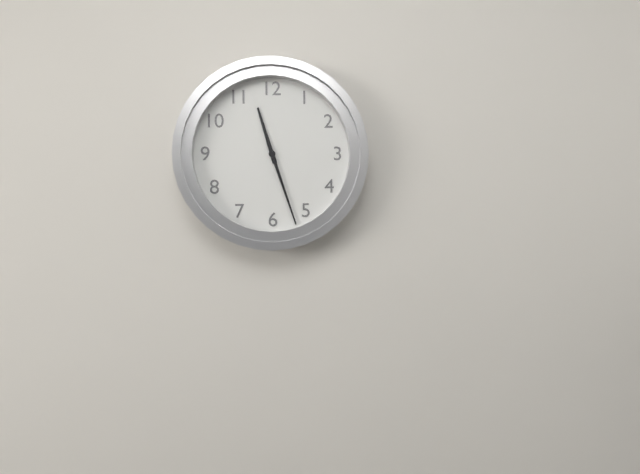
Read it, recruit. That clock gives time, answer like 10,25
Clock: 11,27
